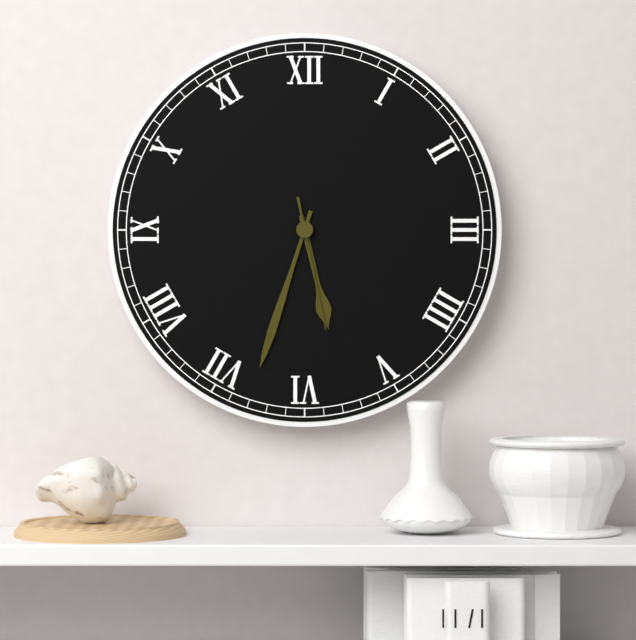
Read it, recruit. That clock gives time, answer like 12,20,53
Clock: 5,33,28
